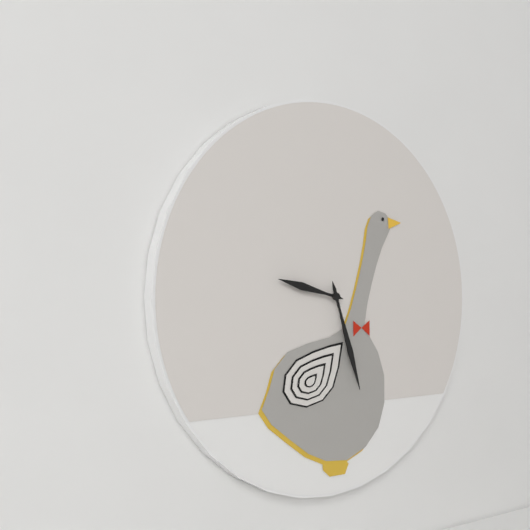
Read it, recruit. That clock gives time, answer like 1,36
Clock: 9,27
